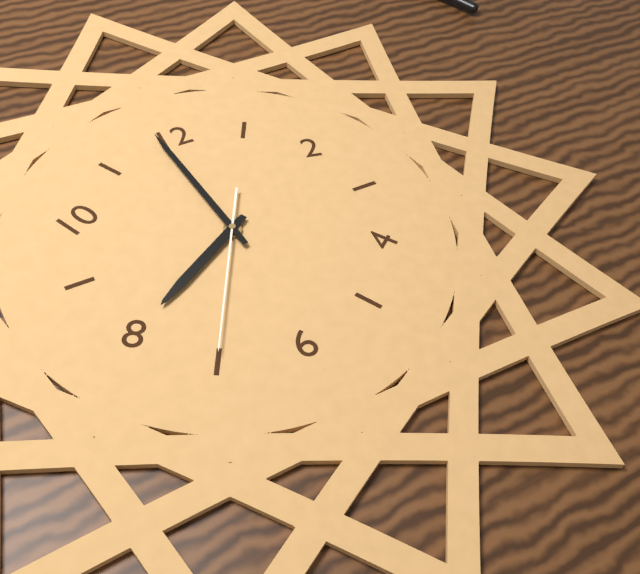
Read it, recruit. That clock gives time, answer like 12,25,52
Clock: 7,59,35
